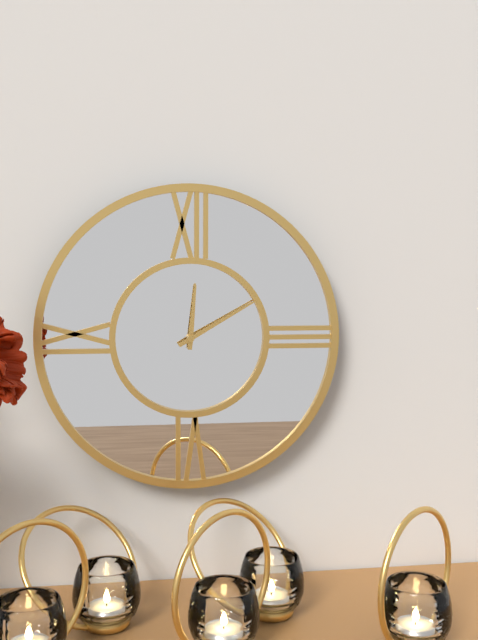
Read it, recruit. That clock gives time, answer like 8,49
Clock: 12,10
